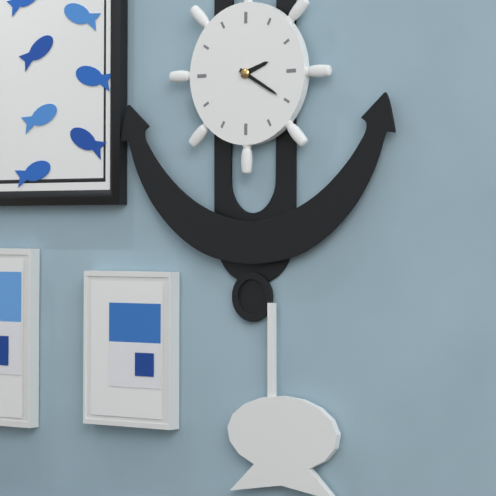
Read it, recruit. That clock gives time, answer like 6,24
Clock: 2,20
